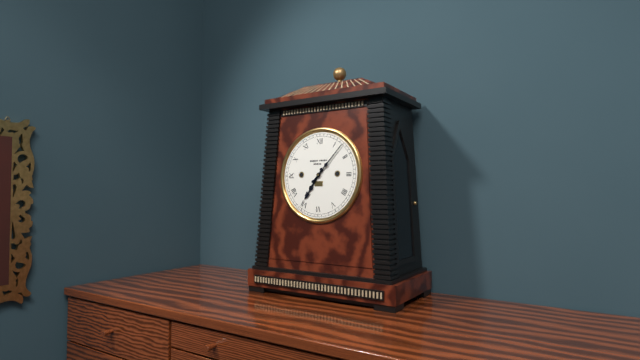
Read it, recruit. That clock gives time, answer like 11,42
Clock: 7,07
